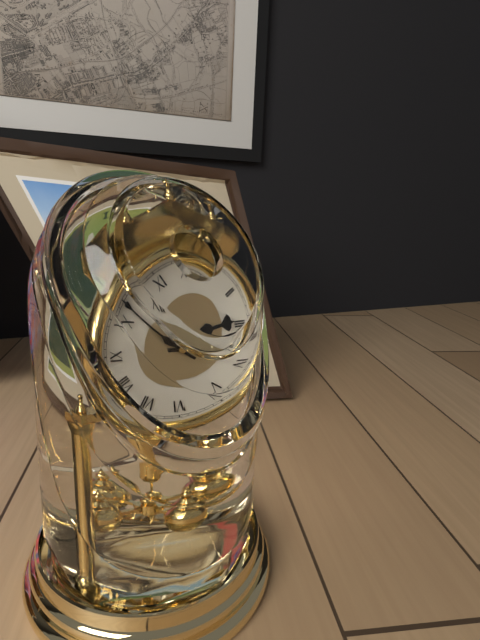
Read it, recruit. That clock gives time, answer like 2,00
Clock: 2,52
